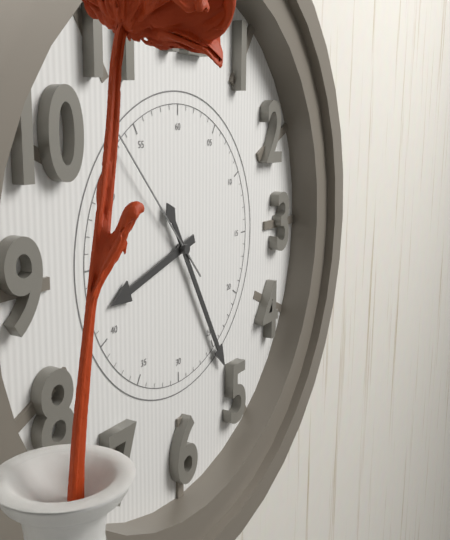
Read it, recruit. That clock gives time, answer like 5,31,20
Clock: 8,25,53
